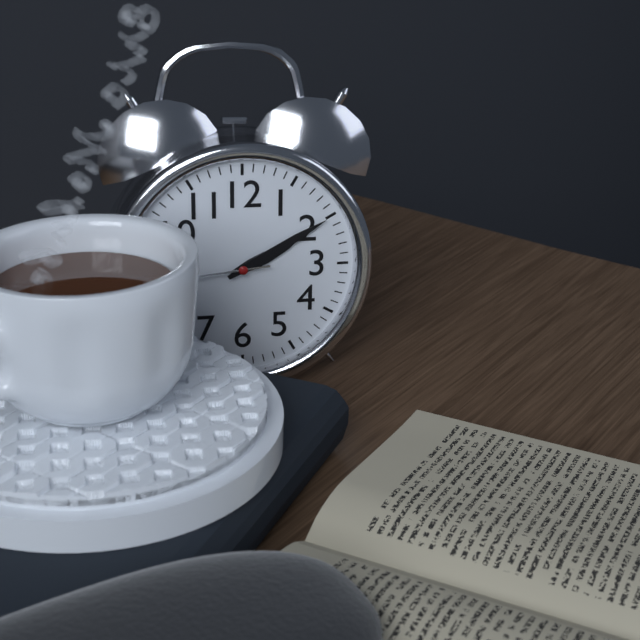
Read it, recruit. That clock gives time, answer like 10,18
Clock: 2,10
